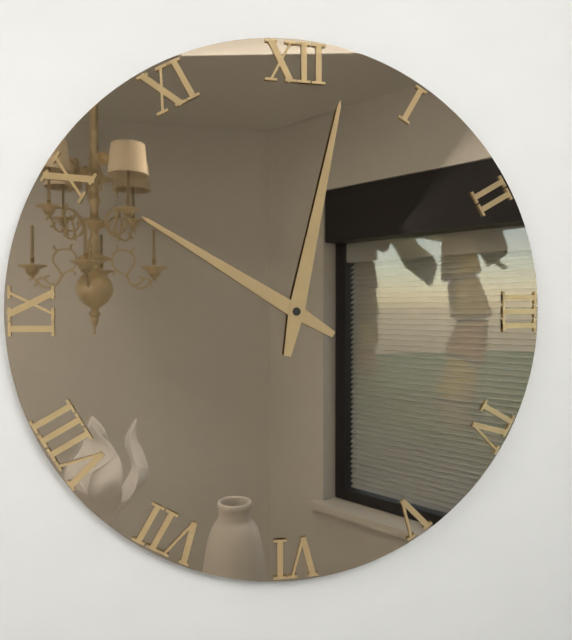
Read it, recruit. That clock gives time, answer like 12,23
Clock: 10,02
